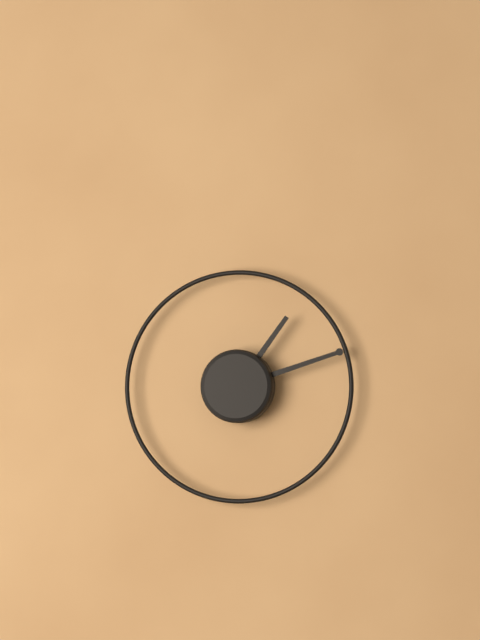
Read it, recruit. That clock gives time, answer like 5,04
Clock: 1,12
